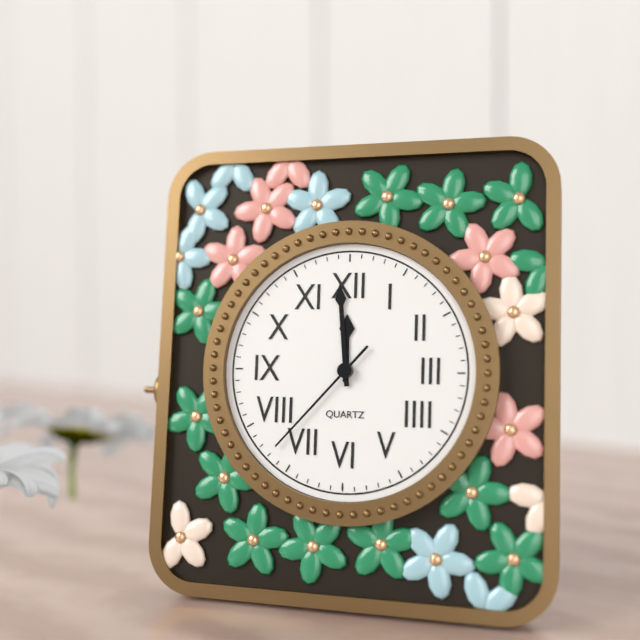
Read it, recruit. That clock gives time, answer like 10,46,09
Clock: 11,59,37
